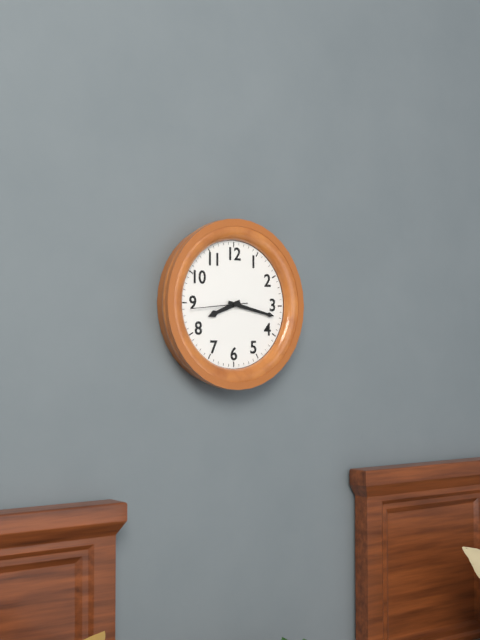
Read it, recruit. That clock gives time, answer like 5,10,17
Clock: 8,17,44
